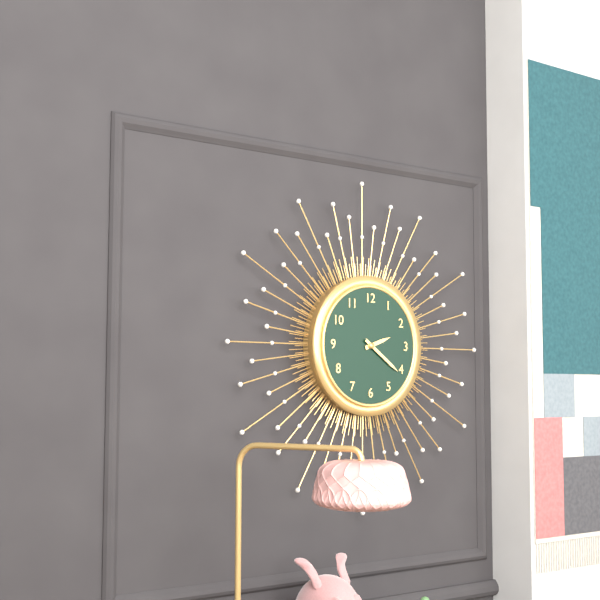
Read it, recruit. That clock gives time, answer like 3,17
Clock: 2,21
